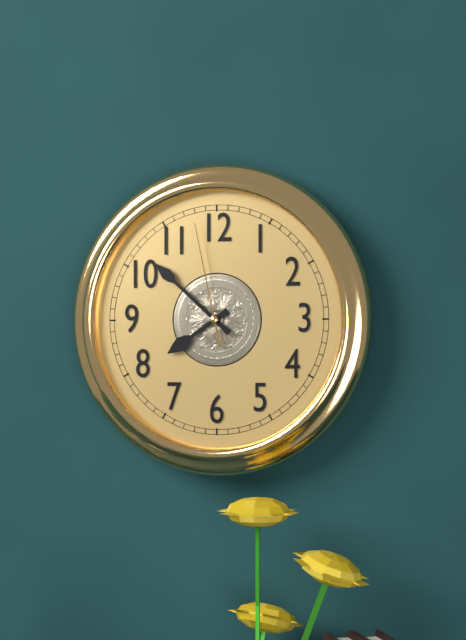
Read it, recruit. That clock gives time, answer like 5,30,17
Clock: 7,52,58
